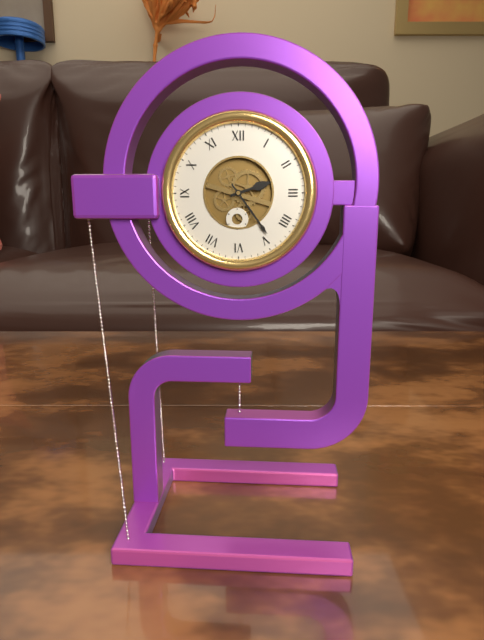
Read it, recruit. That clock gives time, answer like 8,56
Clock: 2,24
